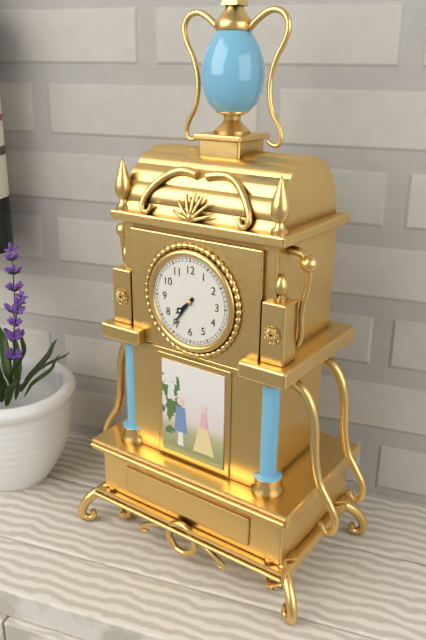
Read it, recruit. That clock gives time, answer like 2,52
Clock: 7,36
